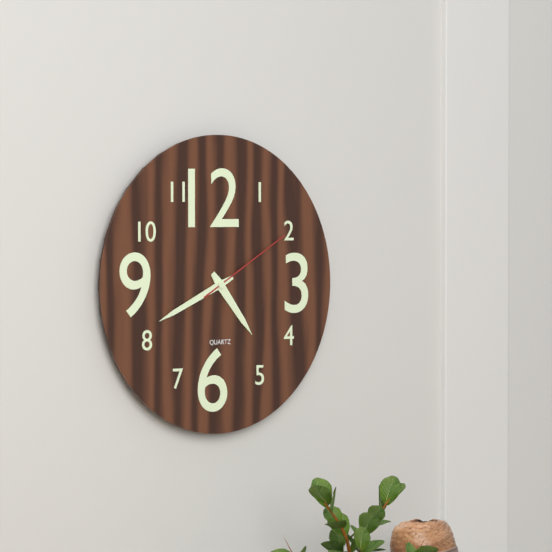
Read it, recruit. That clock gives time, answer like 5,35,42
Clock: 4,41,10
